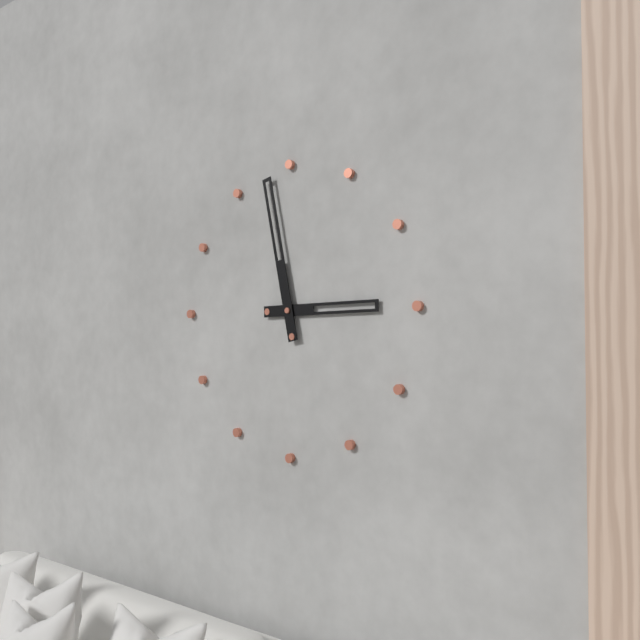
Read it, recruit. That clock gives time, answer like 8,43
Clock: 2,58
